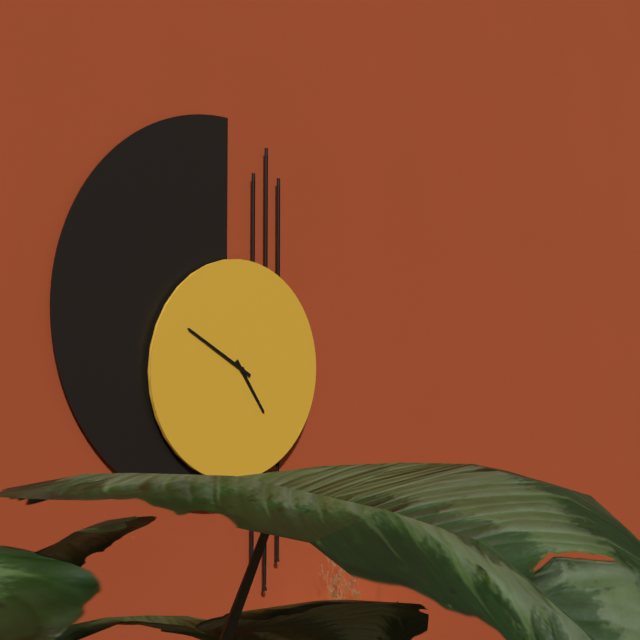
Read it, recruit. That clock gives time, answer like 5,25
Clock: 4,50
